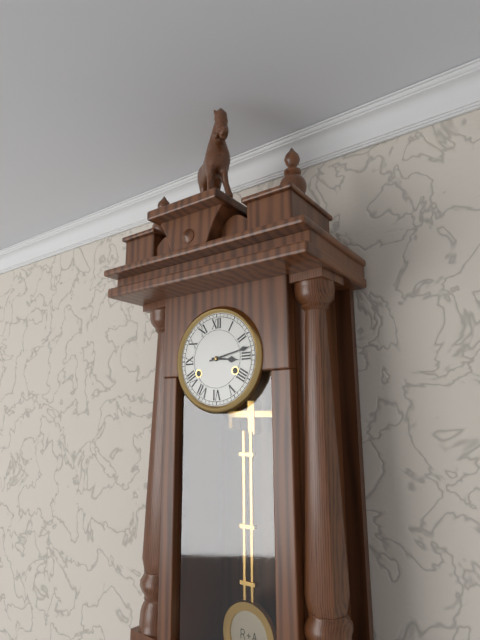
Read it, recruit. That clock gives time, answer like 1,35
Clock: 3,13
